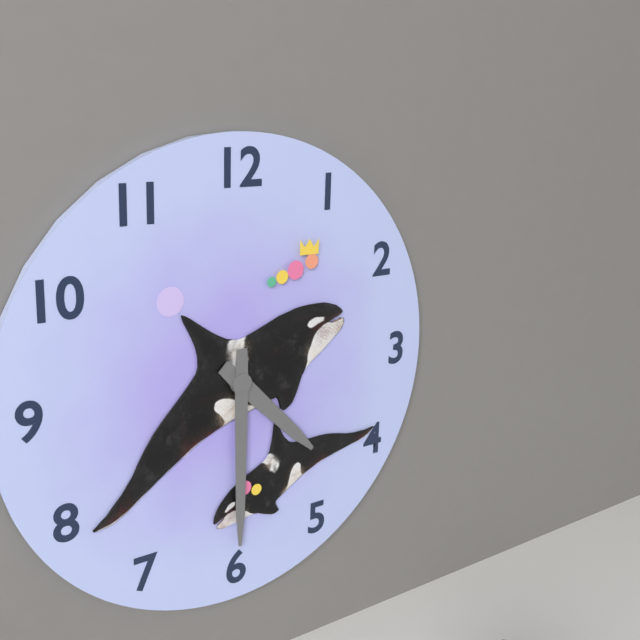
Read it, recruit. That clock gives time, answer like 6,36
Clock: 4,30
